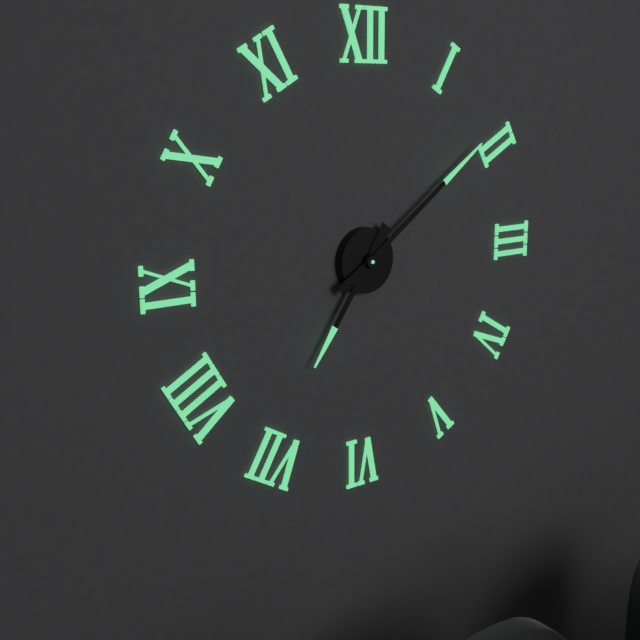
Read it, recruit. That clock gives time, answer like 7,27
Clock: 7,09
